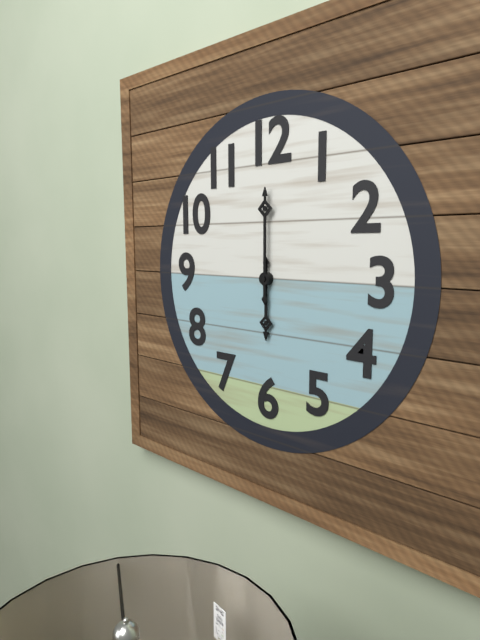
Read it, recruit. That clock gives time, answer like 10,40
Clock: 6,00
